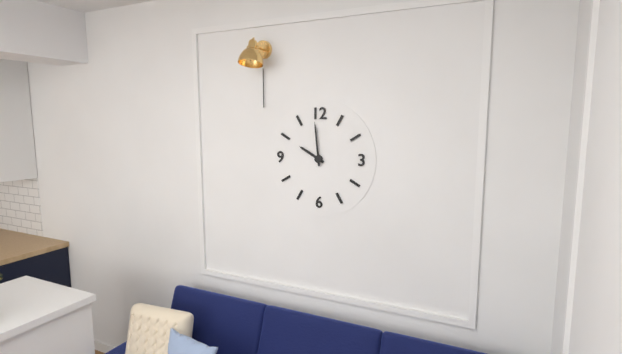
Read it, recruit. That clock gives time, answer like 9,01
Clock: 9,59
